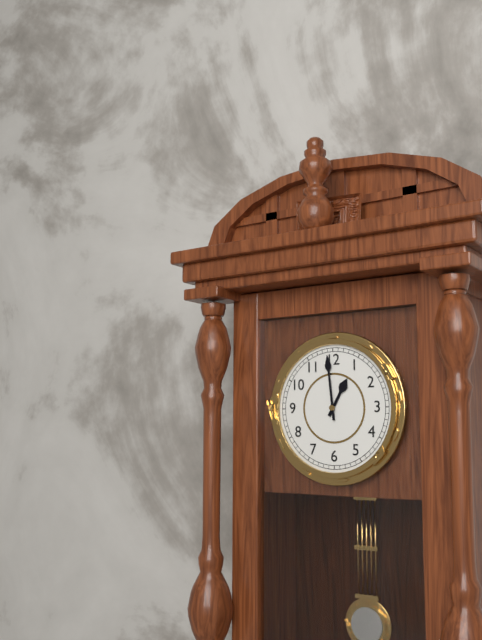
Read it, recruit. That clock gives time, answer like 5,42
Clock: 12,59
